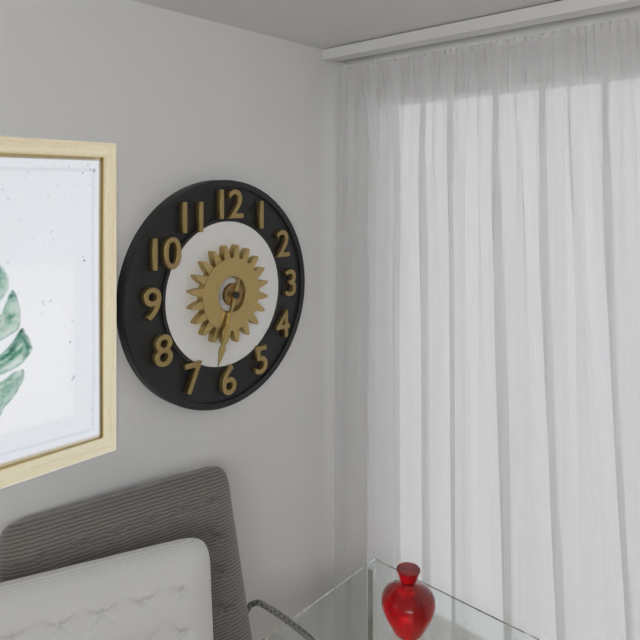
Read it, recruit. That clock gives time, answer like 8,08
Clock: 6,33
